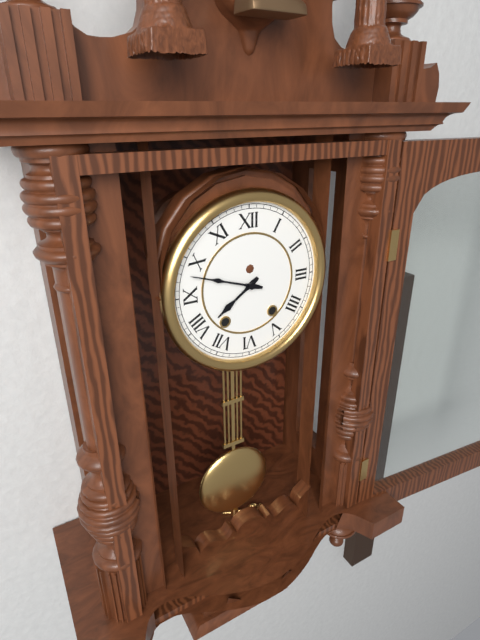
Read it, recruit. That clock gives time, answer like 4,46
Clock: 7,48
